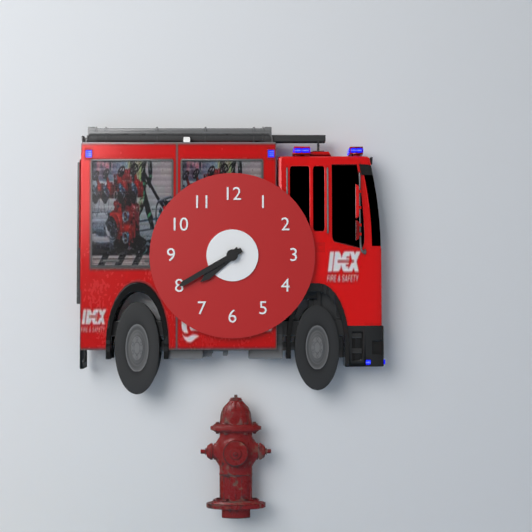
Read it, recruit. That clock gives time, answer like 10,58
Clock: 7,40
